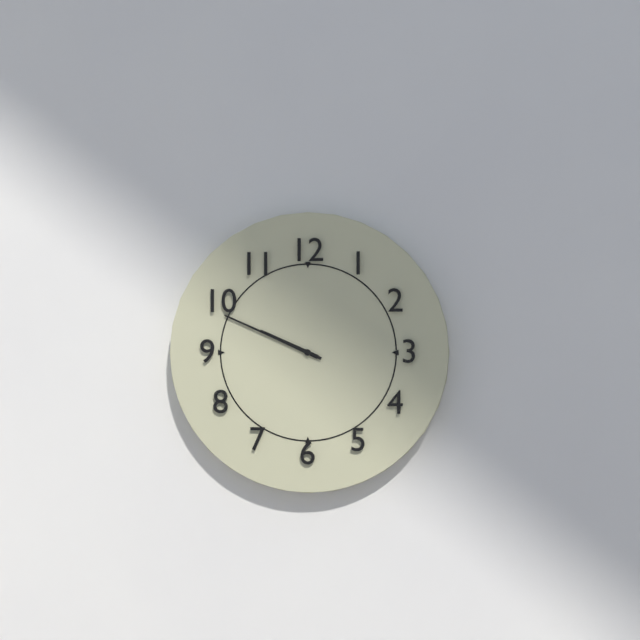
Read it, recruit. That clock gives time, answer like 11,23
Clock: 9,49
